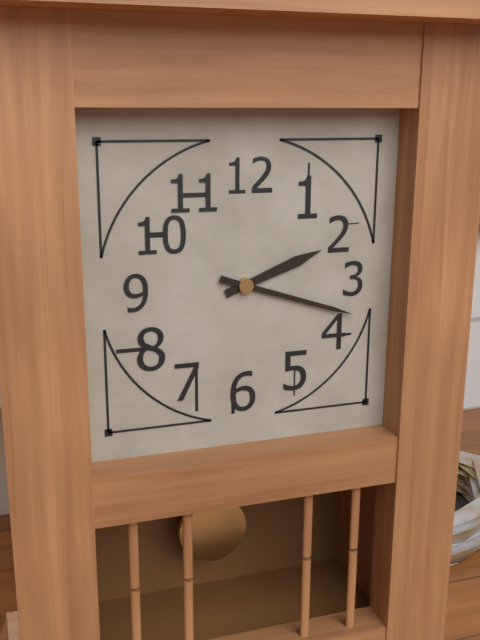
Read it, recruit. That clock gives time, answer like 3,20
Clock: 2,18
